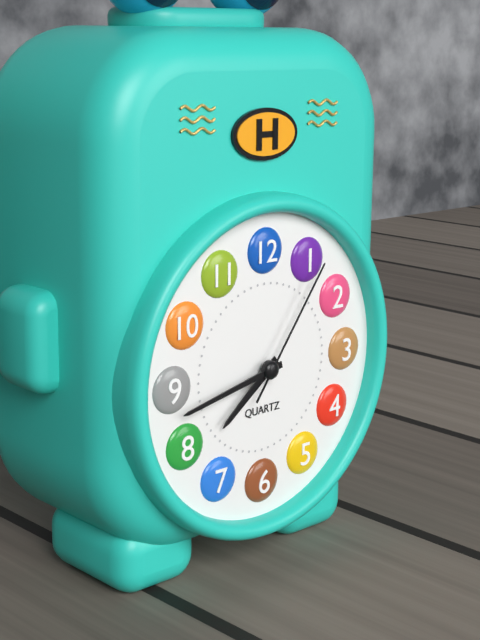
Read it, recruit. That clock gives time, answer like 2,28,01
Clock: 7,43,06
